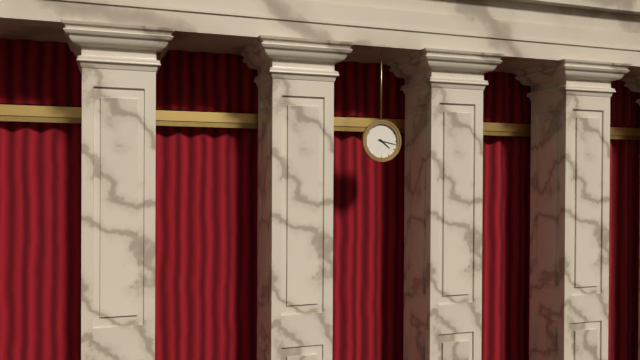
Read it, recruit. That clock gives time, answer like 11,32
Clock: 4,17
